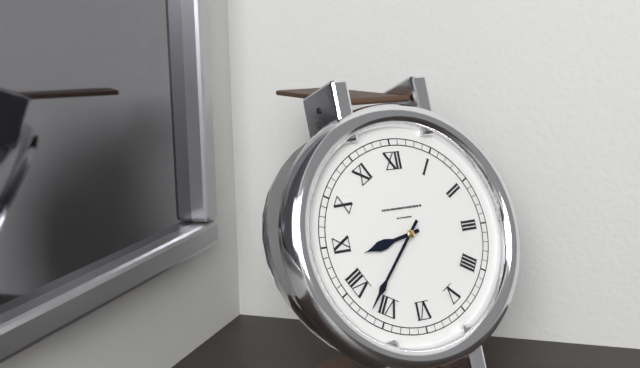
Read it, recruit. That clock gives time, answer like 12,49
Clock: 8,37
